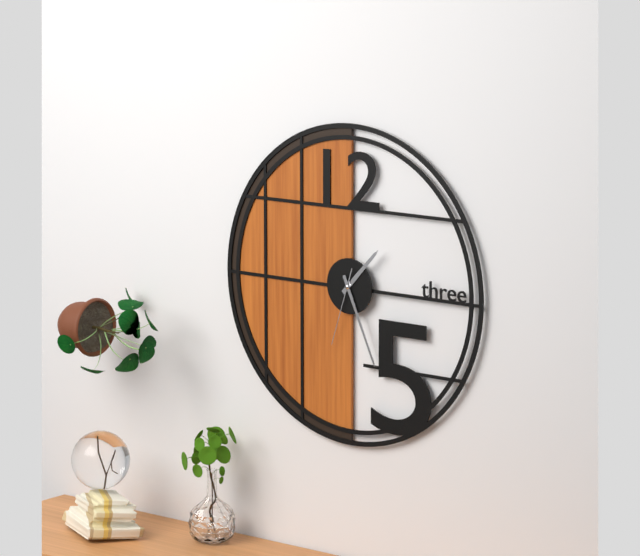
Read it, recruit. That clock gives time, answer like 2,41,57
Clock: 1,26,33
